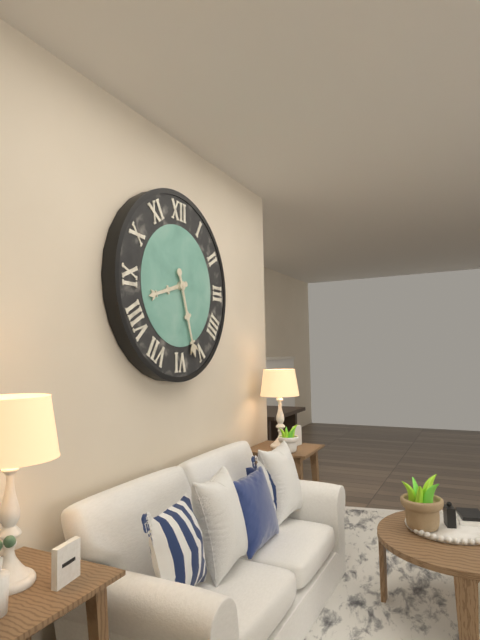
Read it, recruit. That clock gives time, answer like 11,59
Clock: 8,27
